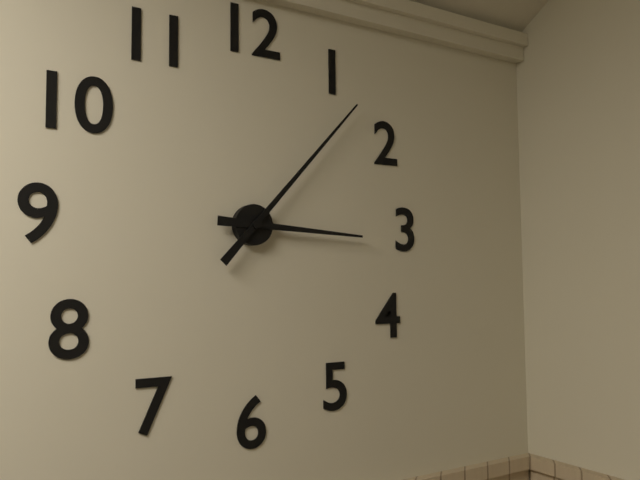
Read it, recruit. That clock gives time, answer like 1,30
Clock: 3,07
